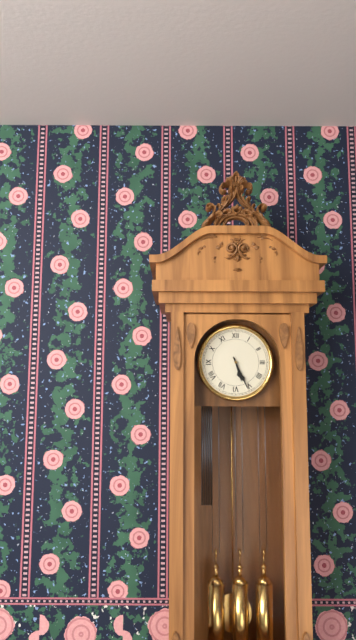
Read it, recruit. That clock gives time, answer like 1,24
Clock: 5,26
